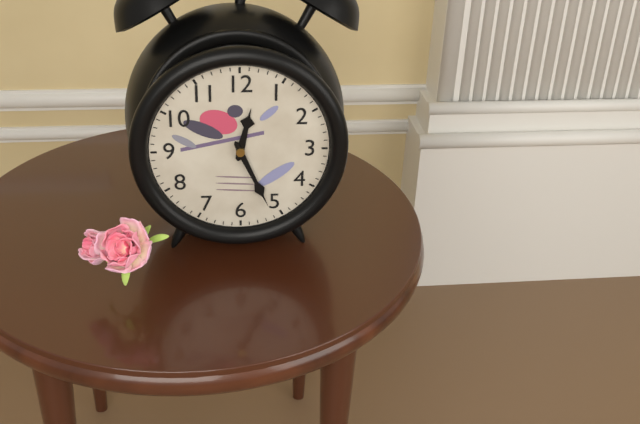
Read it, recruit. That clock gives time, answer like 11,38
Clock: 12,26
